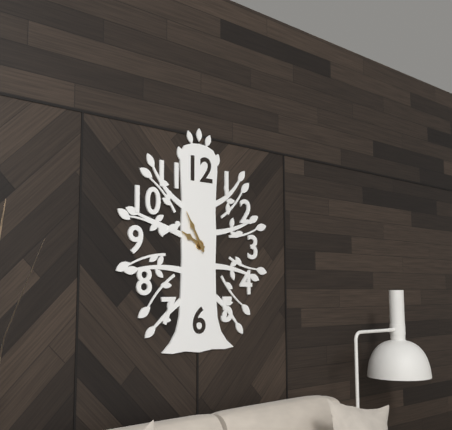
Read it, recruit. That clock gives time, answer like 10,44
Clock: 9,55
